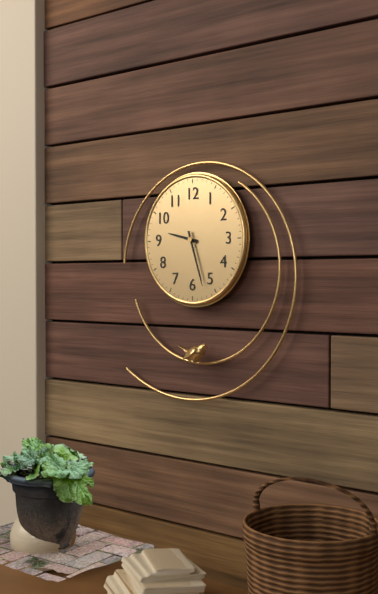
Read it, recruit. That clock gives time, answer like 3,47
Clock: 9,27
